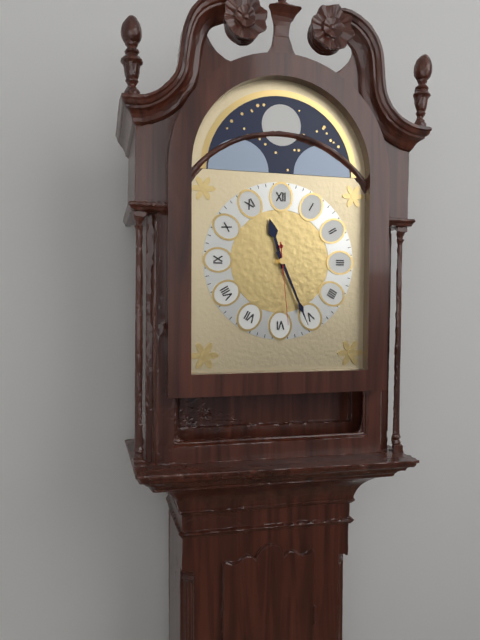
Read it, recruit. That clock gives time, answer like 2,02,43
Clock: 11,26,29
